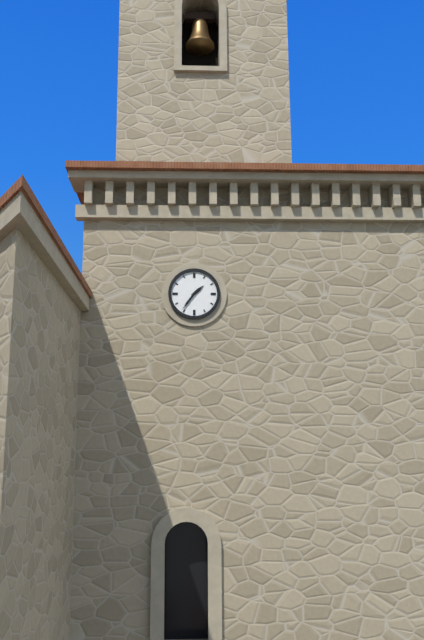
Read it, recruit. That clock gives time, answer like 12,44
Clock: 1,36
